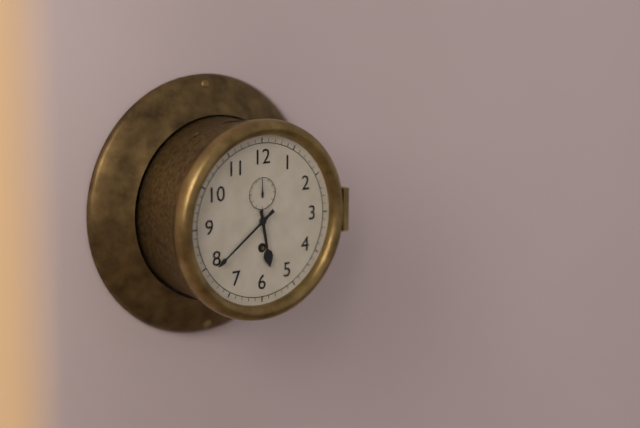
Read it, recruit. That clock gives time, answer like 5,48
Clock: 5,39
